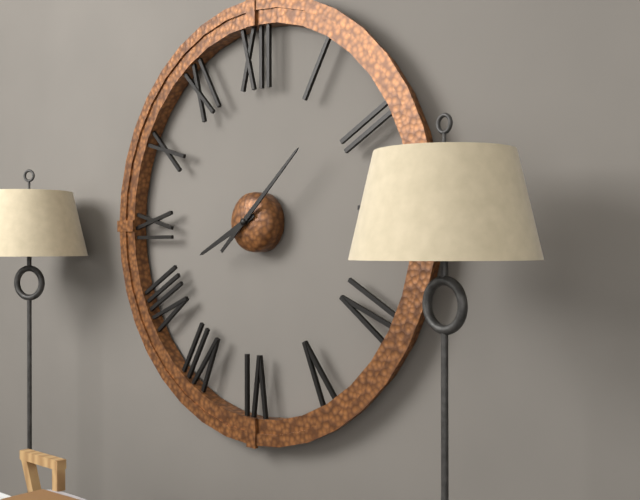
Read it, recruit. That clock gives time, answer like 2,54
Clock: 8,08
